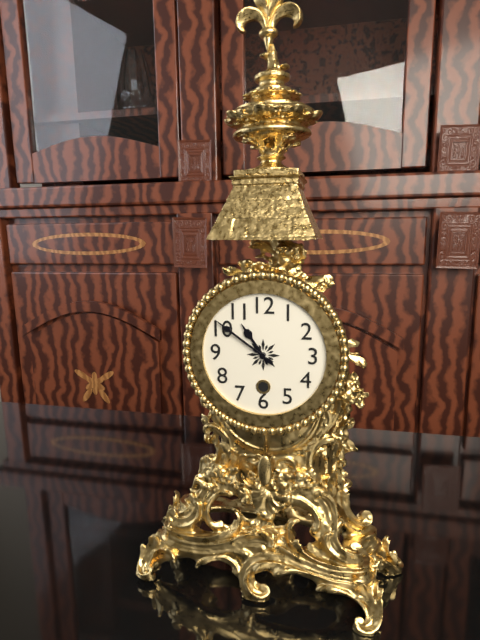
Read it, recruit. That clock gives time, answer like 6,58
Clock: 10,51
